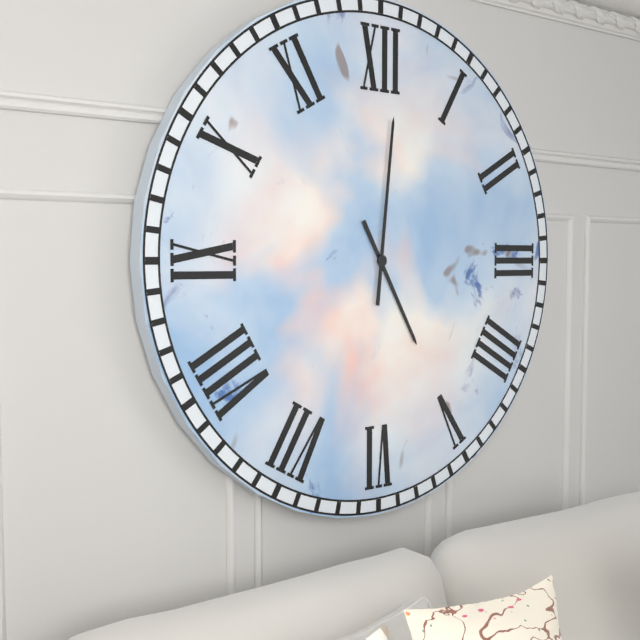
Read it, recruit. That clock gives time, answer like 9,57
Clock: 5,01
